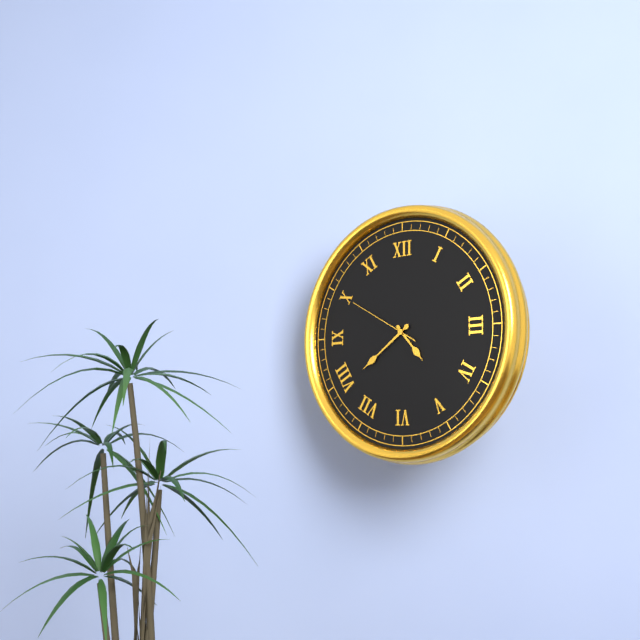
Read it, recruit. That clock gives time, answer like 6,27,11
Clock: 4,39,50
